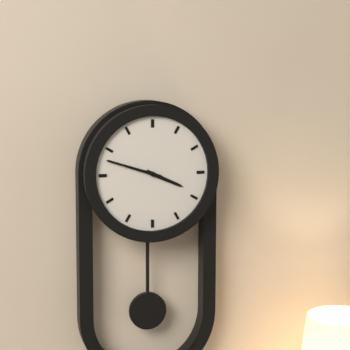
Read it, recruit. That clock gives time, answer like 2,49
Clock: 3,48
